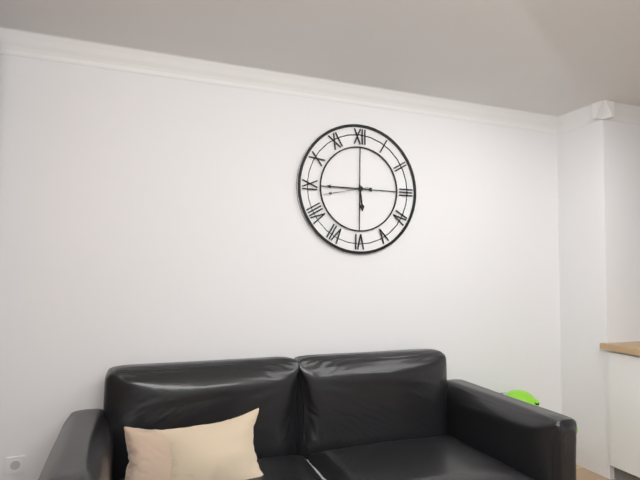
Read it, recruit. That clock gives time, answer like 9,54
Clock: 5,45
